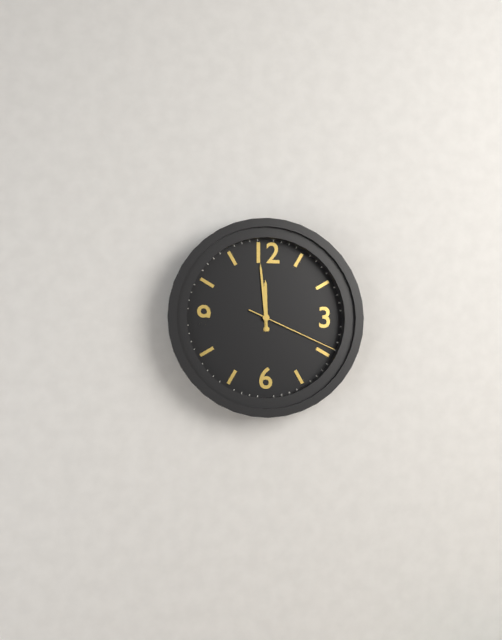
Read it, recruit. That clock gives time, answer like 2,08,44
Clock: 11,59,19
